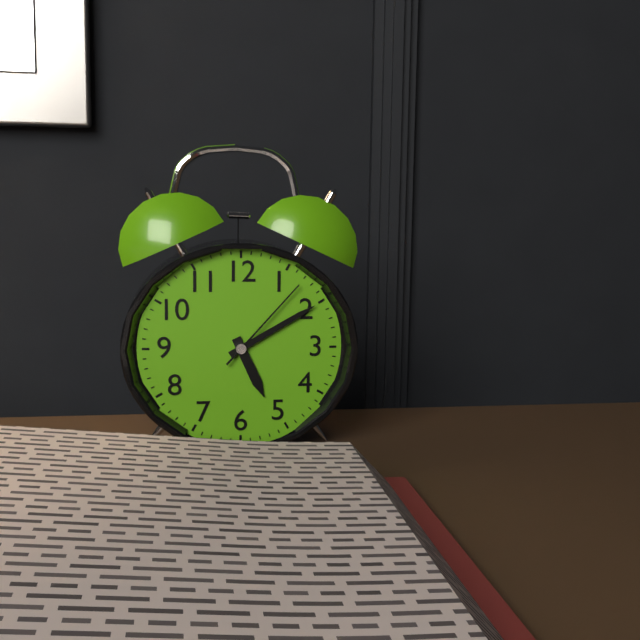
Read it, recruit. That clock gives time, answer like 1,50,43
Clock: 5,10,07
